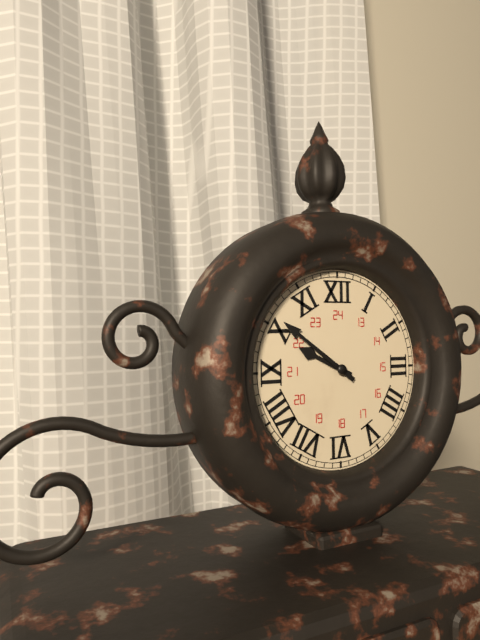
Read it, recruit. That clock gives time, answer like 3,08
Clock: 9,51
